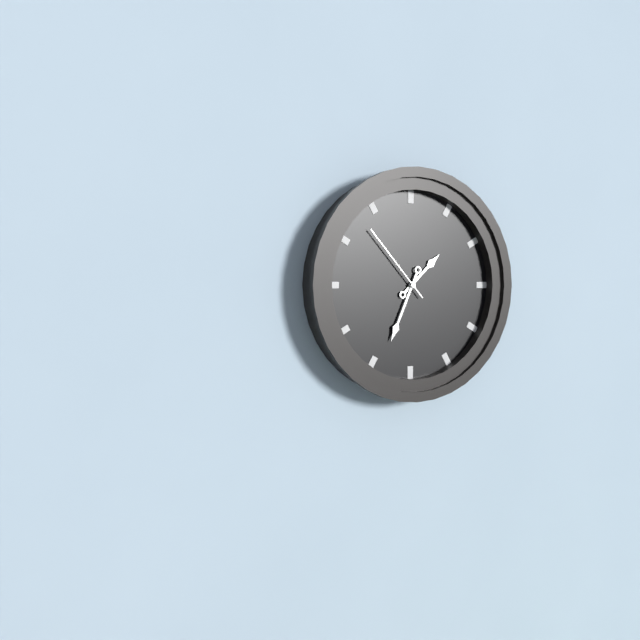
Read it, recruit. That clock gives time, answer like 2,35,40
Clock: 1,34,53
